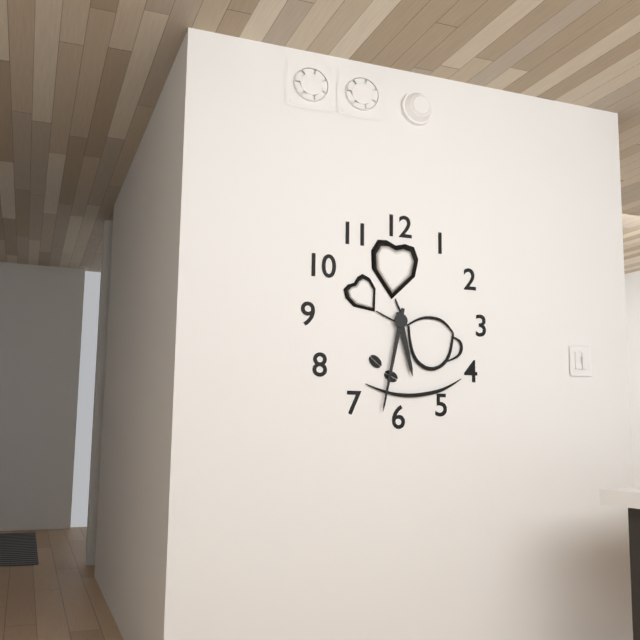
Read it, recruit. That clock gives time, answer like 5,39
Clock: 5,32
